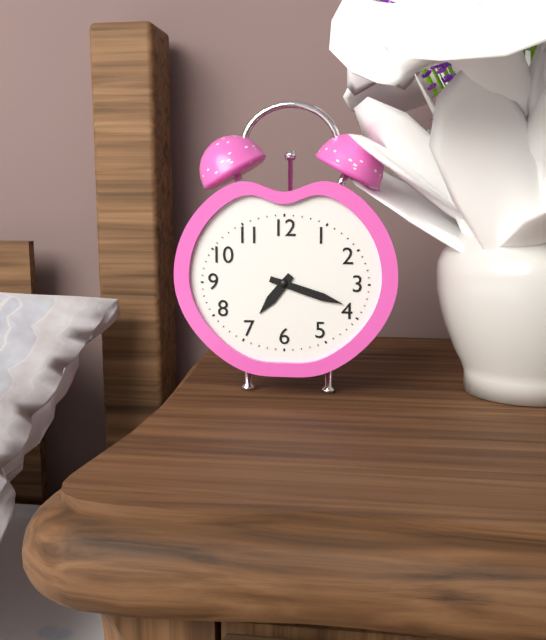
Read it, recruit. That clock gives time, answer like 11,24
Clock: 7,18
